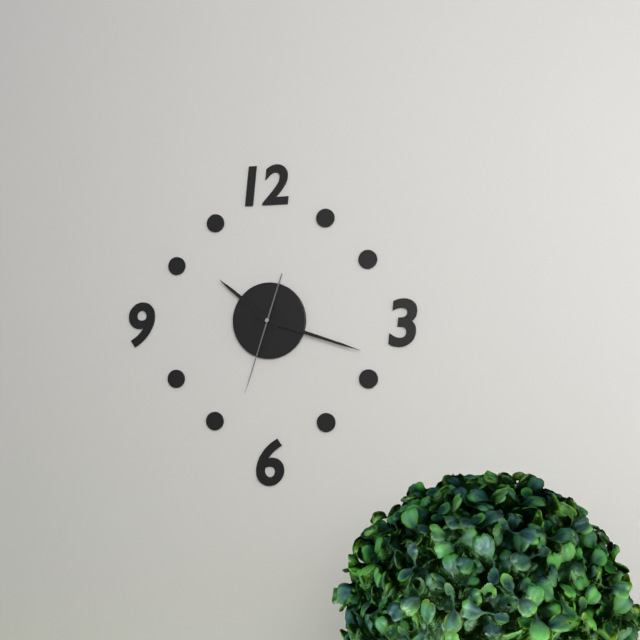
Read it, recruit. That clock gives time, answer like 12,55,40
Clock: 10,18,33
